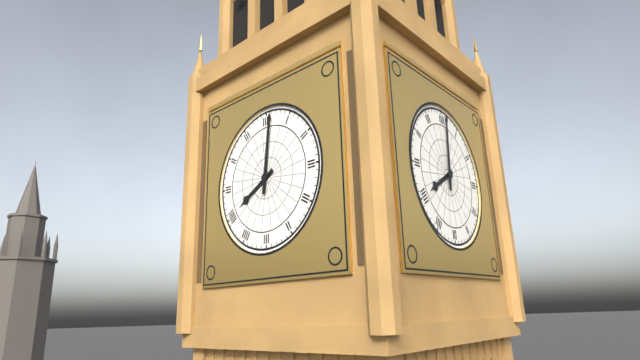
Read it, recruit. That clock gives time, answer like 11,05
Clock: 8,01
